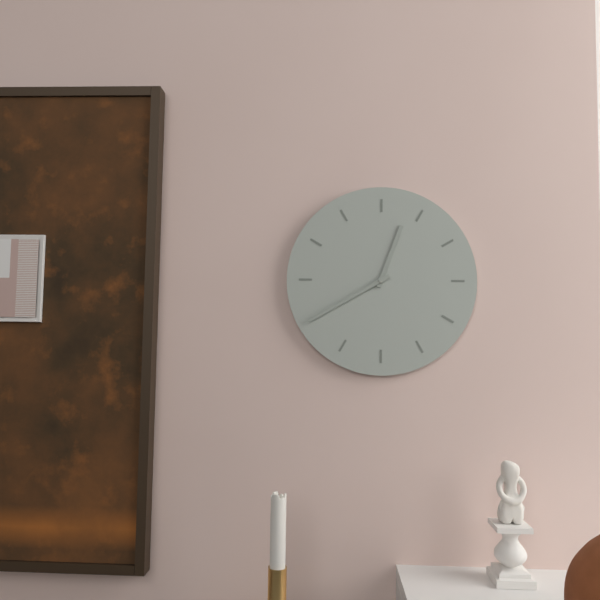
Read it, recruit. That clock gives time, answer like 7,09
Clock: 12,40
